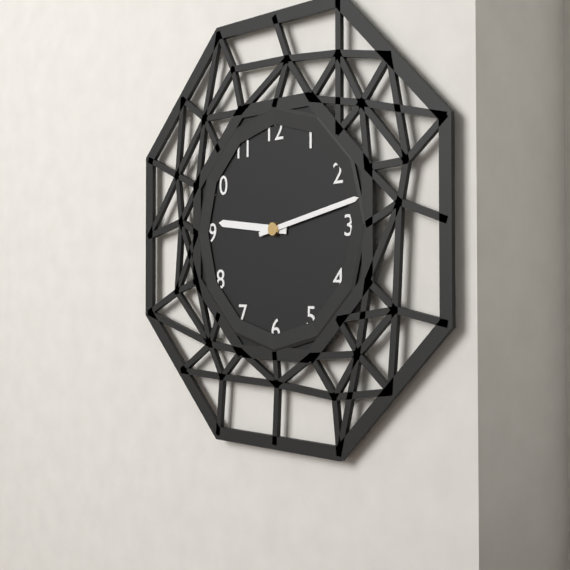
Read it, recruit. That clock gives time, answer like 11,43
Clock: 9,13
